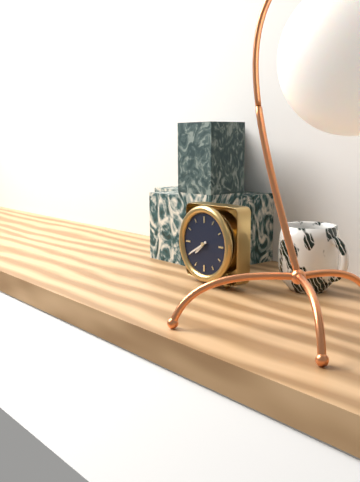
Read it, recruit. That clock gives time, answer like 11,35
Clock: 7,40
